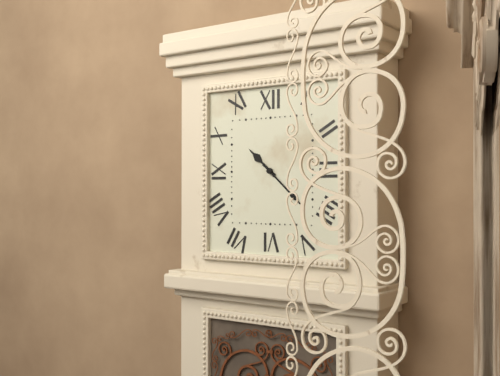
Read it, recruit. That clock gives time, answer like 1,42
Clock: 10,22
